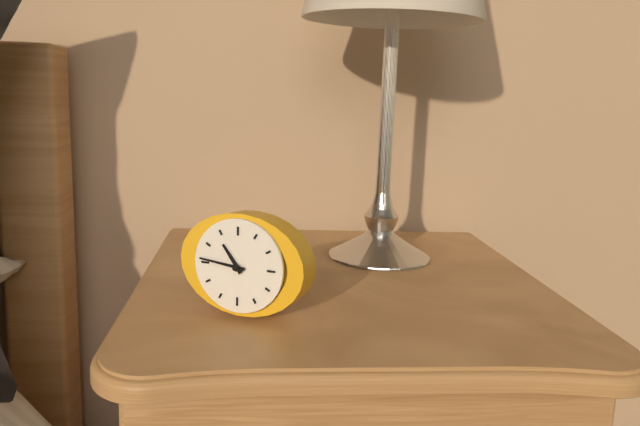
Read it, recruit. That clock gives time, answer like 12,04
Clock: 10,46
